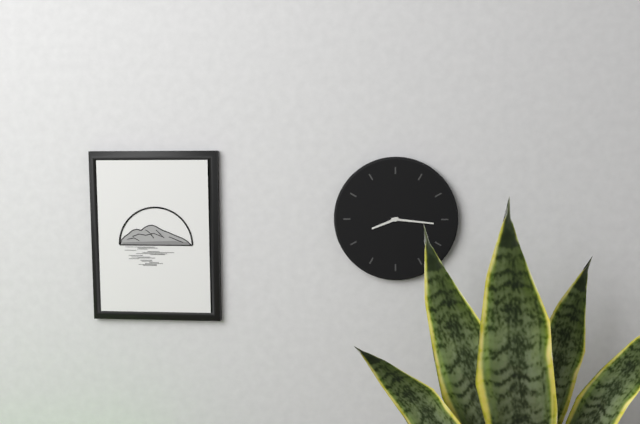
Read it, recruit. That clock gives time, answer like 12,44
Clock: 8,16
